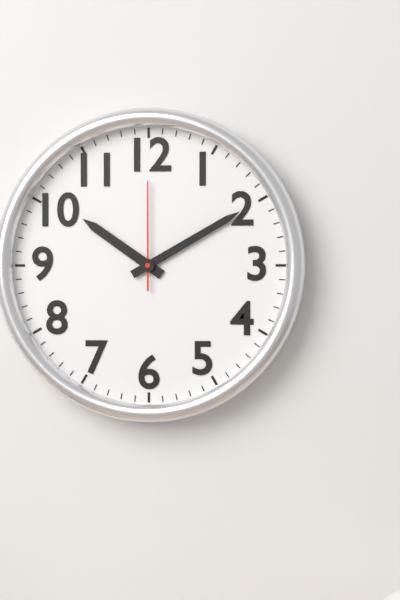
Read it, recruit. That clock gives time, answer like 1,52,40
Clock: 10,10,00
